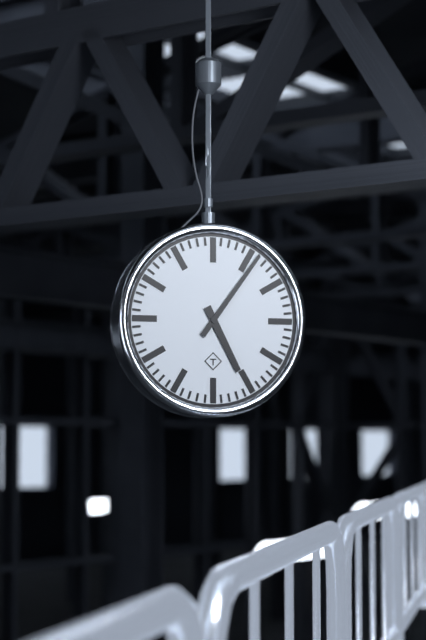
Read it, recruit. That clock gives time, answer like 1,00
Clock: 5,06
